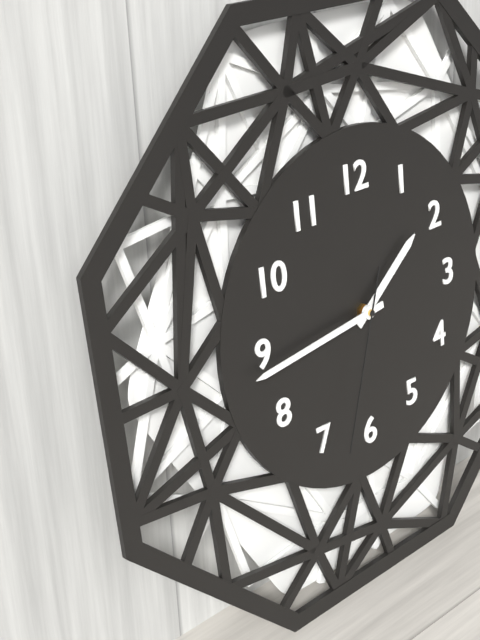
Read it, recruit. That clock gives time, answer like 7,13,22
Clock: 1,44,33
